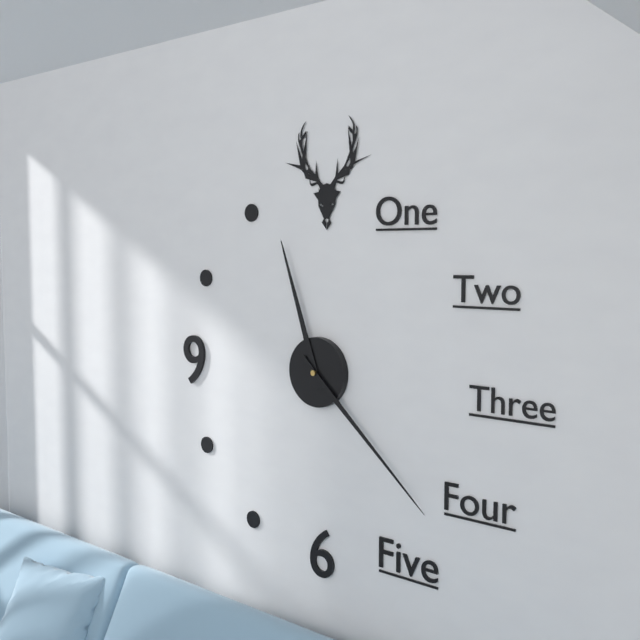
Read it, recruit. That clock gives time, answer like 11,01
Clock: 11,22
